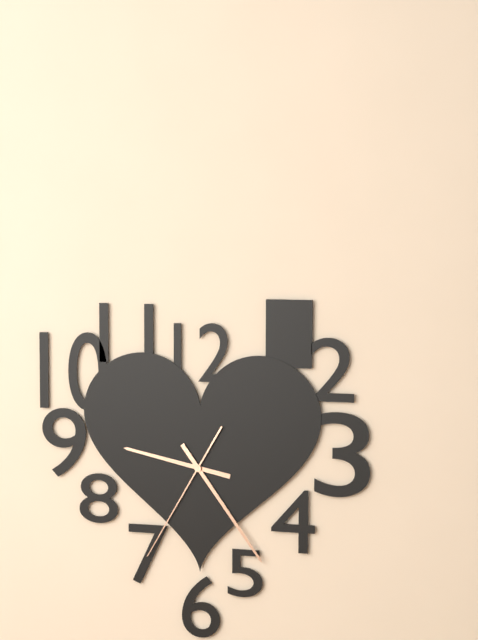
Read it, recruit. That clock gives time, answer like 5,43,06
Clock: 9,24,35
